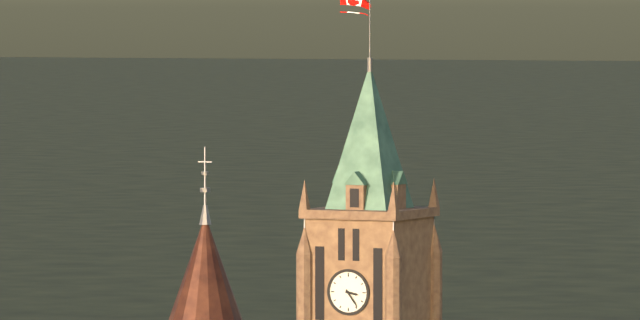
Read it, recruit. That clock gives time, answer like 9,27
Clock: 3,24
